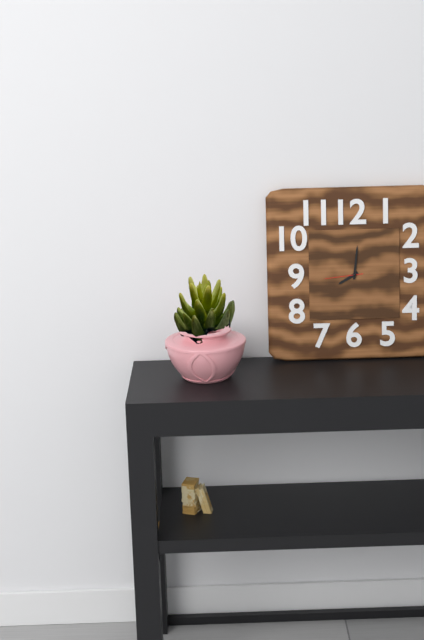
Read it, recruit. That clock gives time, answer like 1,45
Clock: 8,01
